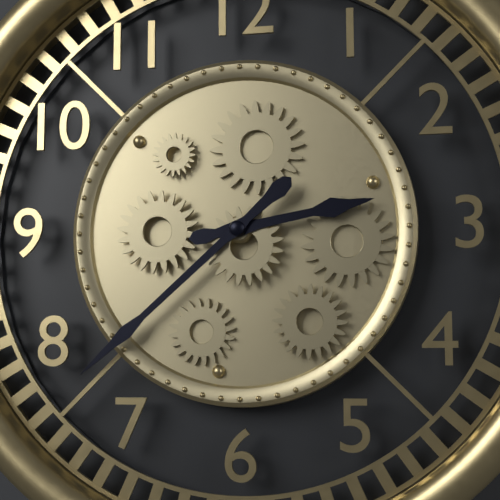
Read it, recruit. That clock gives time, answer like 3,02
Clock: 2,38
